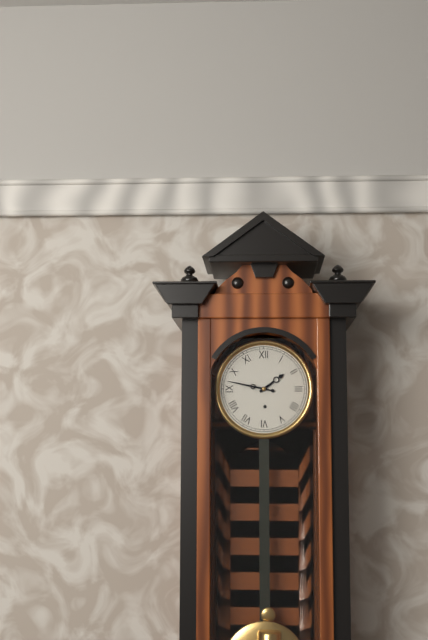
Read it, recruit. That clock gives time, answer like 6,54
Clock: 1,47
